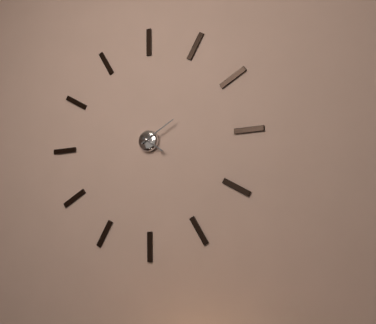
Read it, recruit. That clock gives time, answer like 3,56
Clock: 4,10
